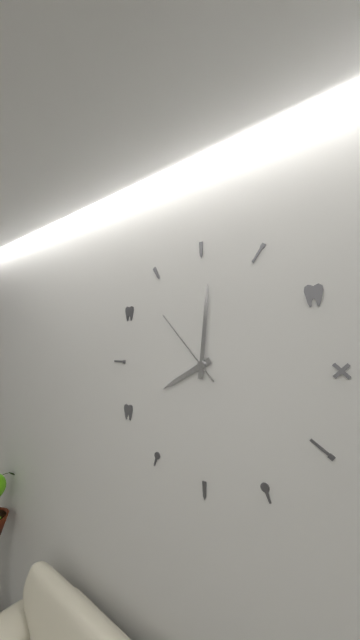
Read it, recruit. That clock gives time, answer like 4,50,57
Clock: 8,01,53
